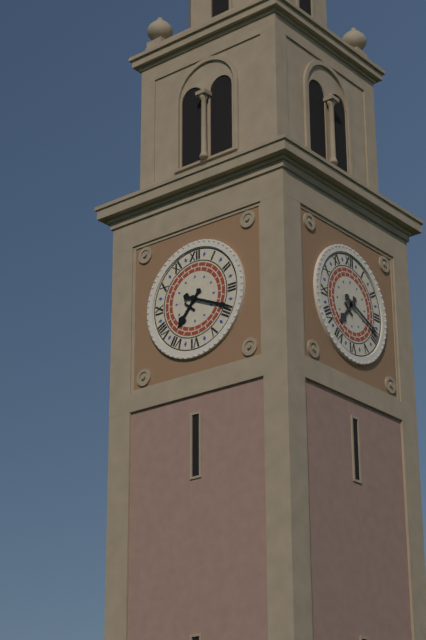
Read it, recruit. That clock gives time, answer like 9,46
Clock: 7,19
